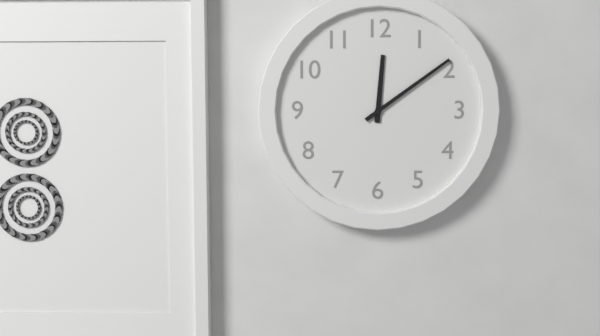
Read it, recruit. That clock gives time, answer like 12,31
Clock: 12,09
